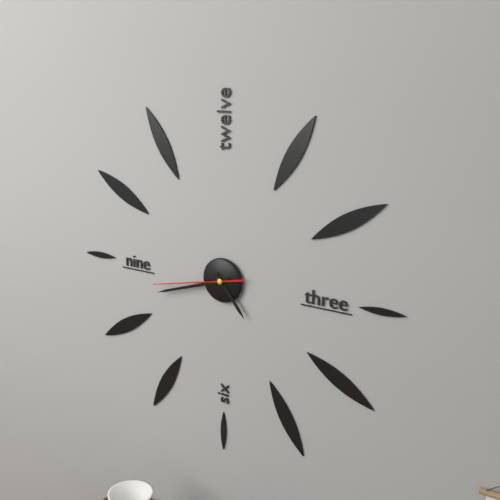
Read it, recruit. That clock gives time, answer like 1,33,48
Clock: 4,42,43
